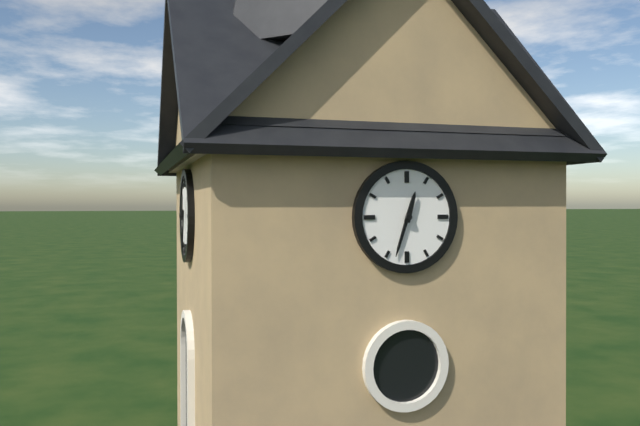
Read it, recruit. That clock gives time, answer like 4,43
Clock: 12,33
